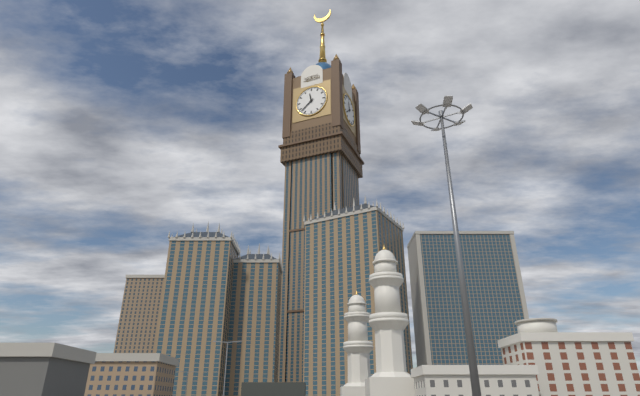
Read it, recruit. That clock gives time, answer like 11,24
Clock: 11,38
